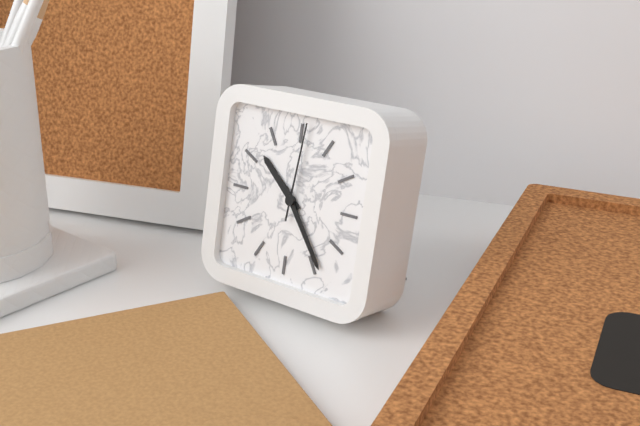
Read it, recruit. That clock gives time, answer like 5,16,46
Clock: 10,24,01
